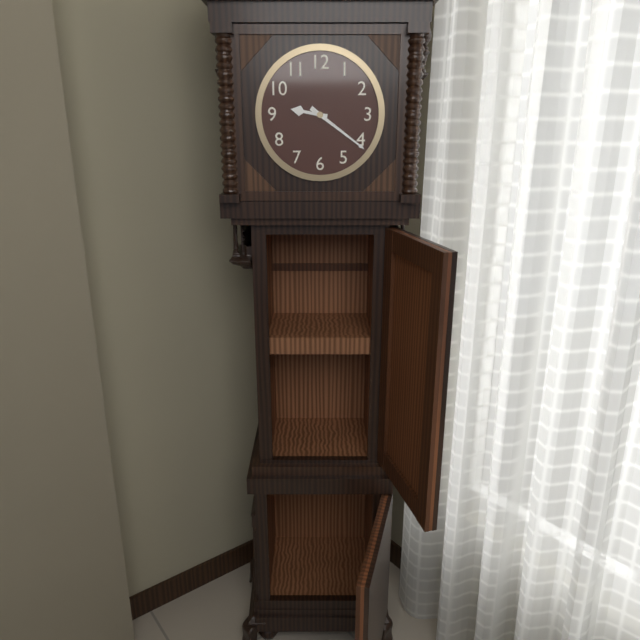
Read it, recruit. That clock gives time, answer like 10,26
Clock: 9,21
